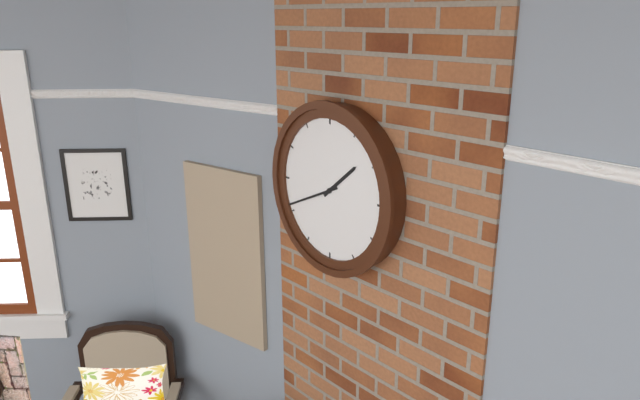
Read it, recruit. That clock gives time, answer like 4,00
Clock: 1,41
